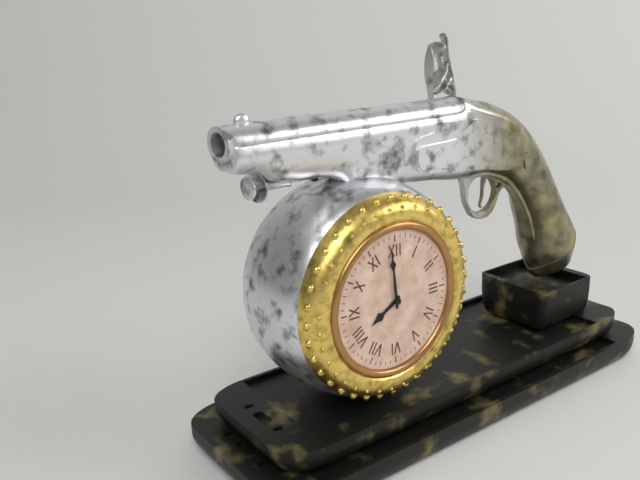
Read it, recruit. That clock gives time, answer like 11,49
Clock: 7,59
